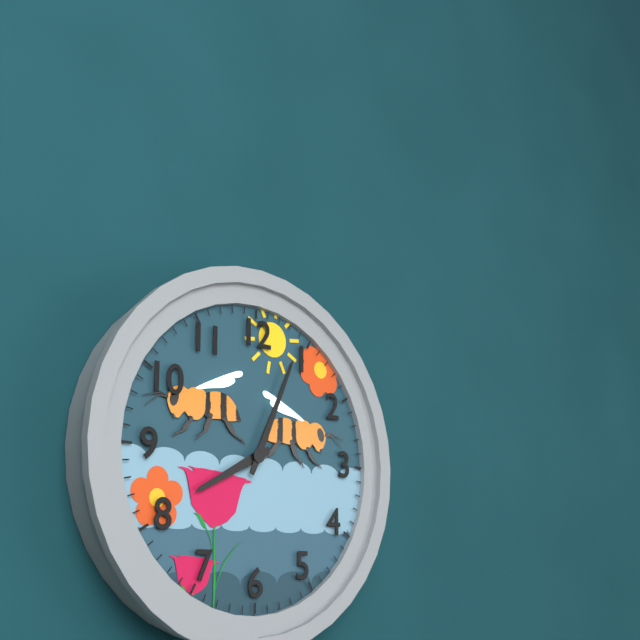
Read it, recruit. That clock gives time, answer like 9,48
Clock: 8,04
